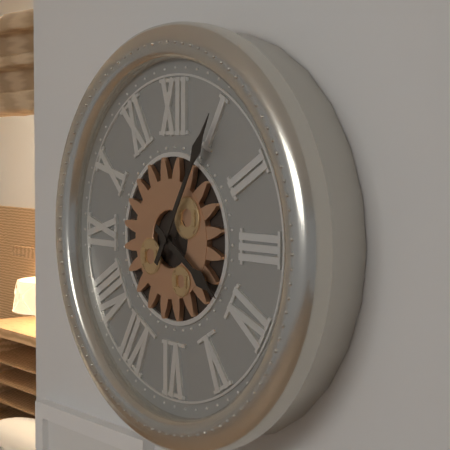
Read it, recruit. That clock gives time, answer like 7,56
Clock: 4,05
